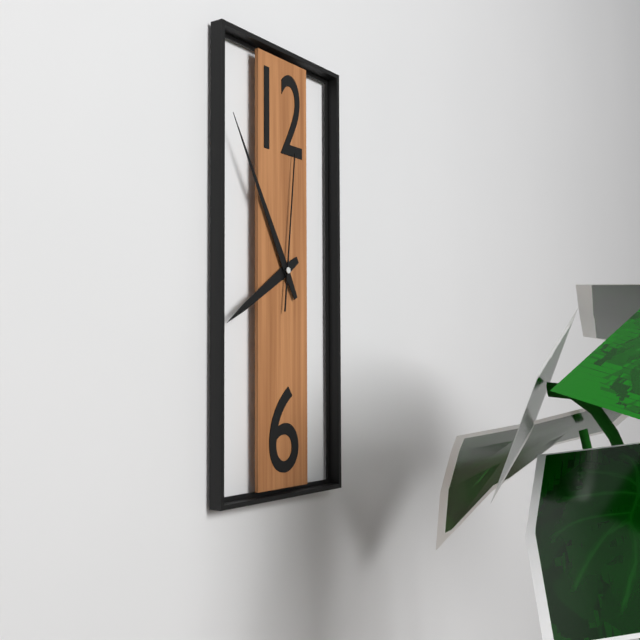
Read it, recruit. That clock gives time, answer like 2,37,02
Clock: 7,55,01
